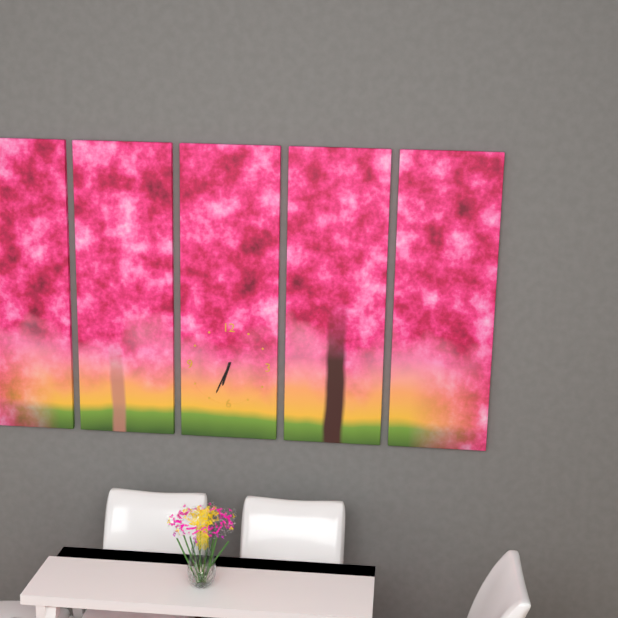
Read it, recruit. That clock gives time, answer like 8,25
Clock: 6,34
